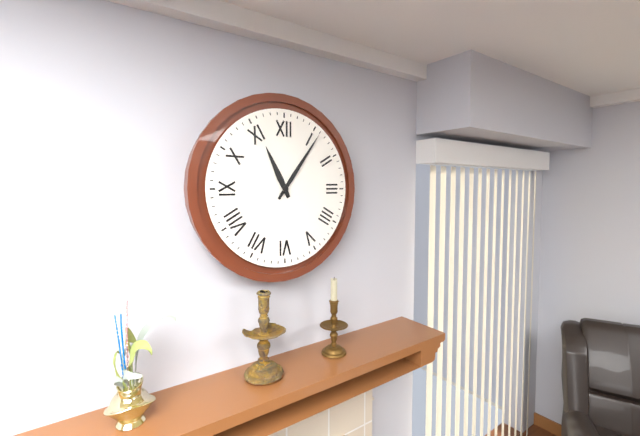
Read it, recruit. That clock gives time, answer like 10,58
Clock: 11,06
